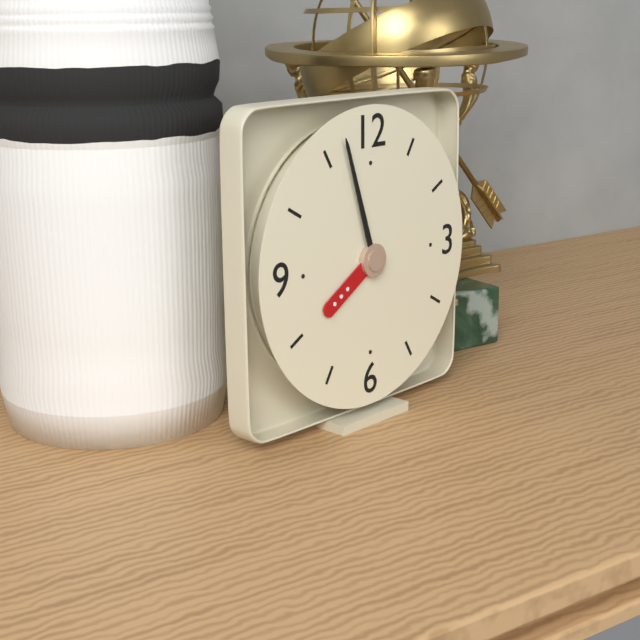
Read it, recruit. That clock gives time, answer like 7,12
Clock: 7,57
